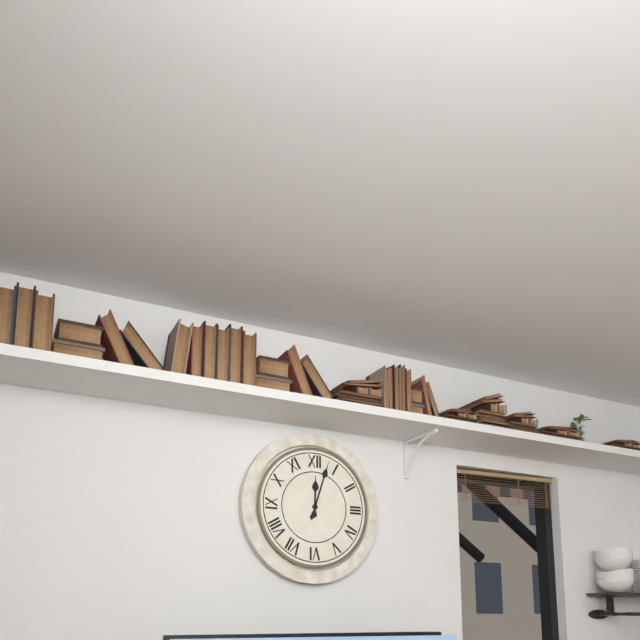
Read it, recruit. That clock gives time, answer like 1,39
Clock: 12,03
